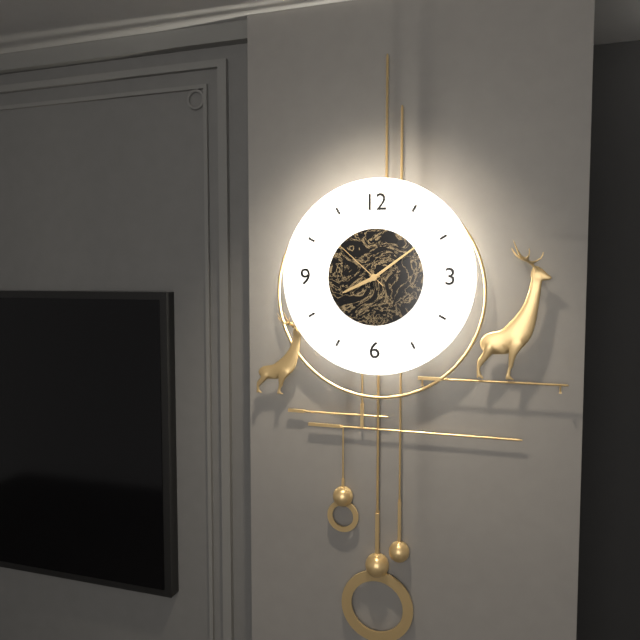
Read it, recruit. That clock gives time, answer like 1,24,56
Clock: 8,09,52
